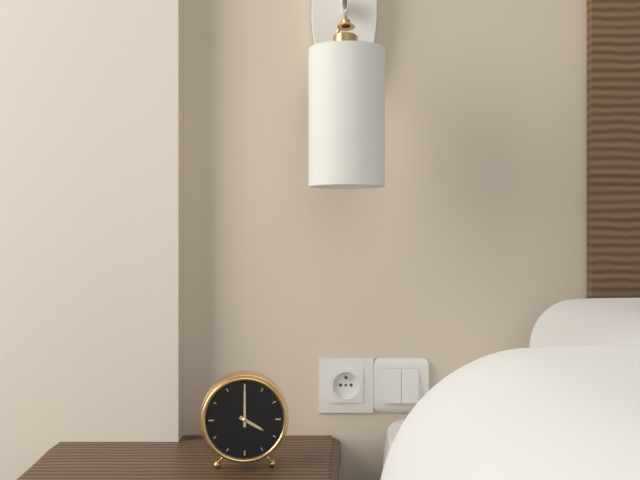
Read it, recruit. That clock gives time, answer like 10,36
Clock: 4,00
